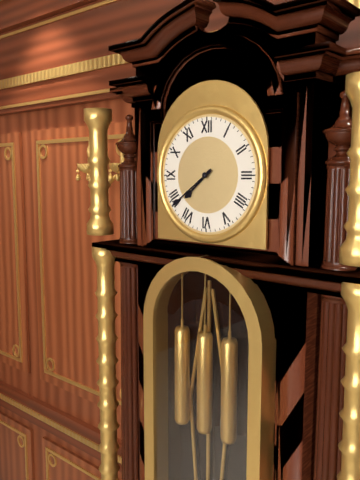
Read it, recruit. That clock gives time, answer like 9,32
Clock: 7,39
